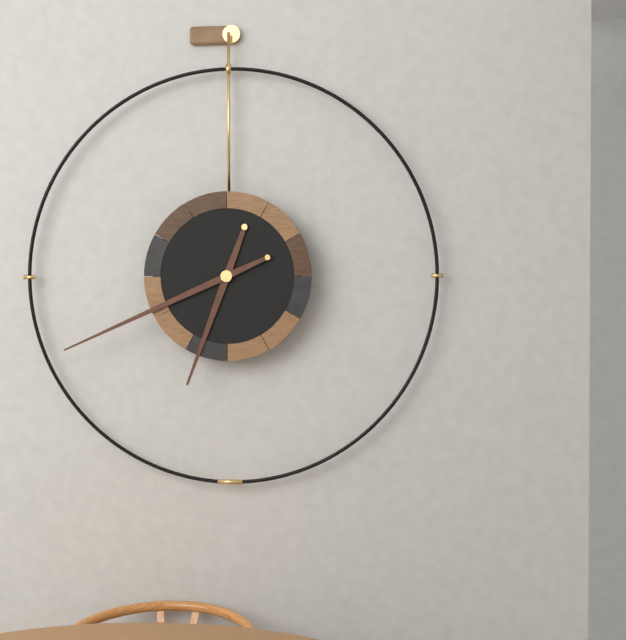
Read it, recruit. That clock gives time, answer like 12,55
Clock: 6,41
